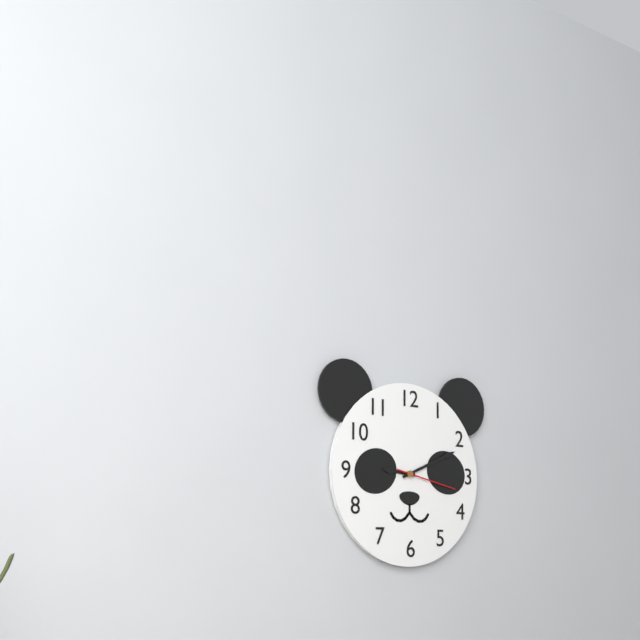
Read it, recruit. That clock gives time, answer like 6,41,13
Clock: 9,11,17
